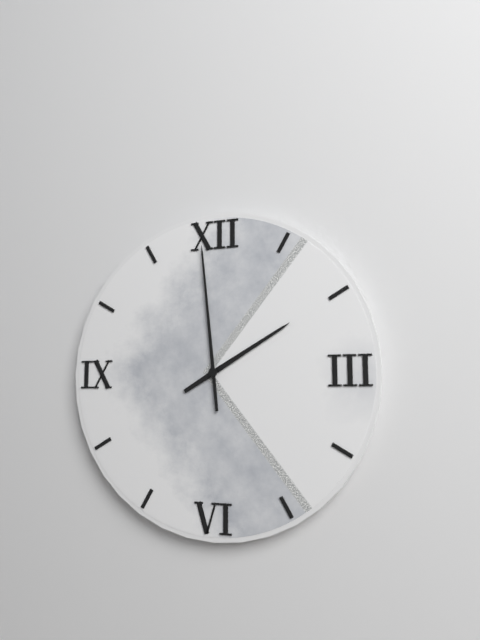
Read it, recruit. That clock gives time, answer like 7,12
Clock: 1,59
